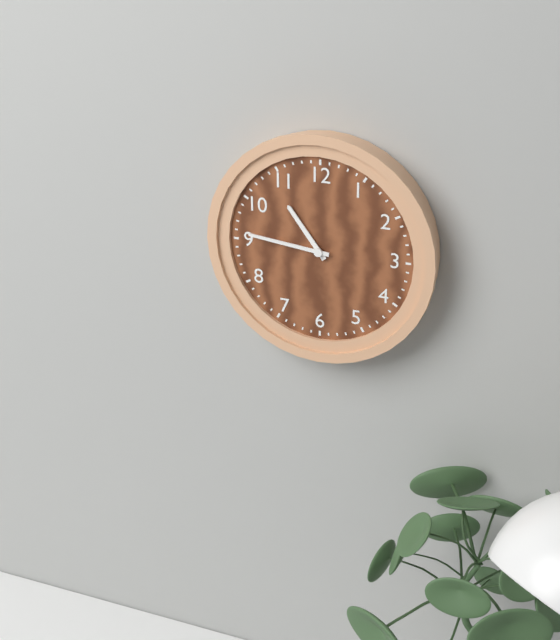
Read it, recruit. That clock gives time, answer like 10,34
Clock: 10,46
